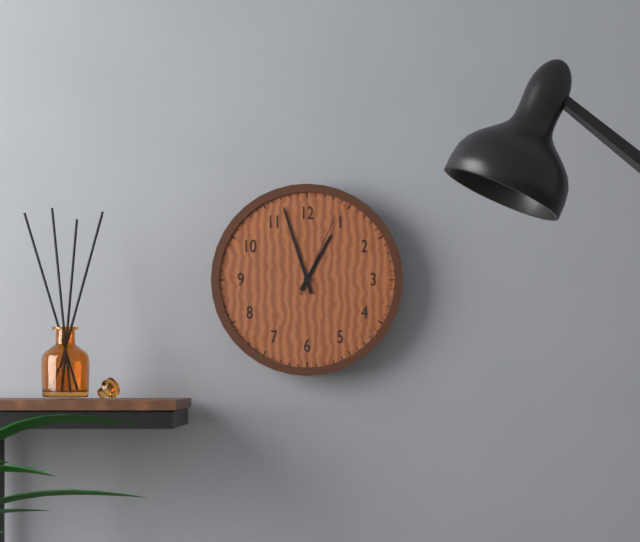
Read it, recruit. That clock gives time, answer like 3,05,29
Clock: 12,57,04
